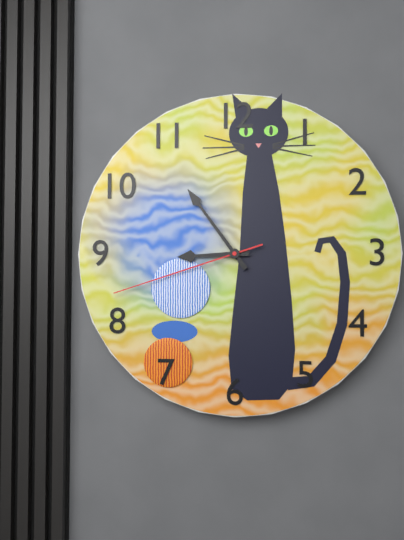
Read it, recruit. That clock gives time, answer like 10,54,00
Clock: 8,54,42
